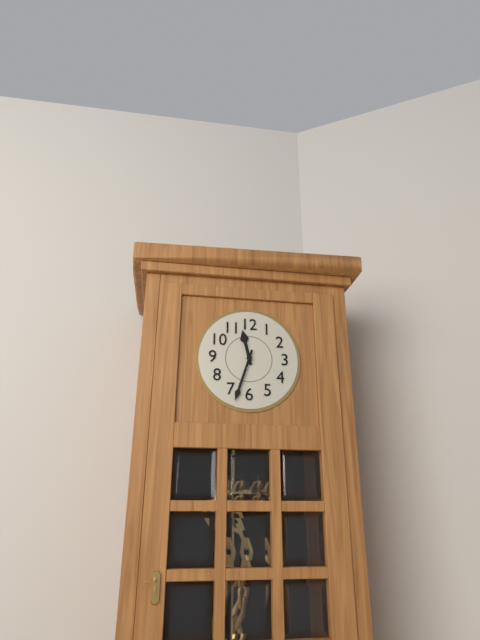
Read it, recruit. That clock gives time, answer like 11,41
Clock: 11,33
